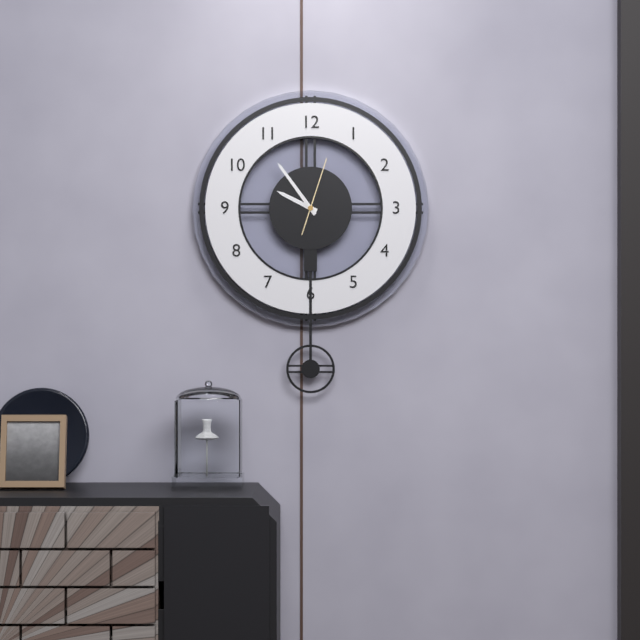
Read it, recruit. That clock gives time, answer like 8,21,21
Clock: 9,54,03
